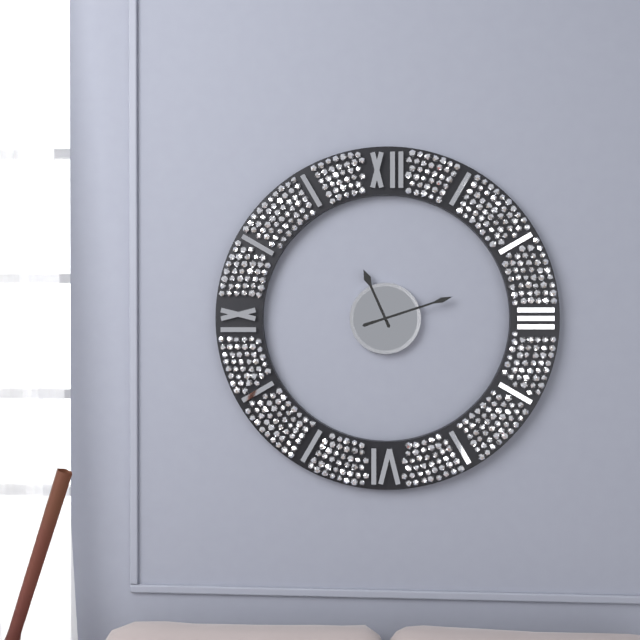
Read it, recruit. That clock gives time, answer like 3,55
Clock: 11,12
